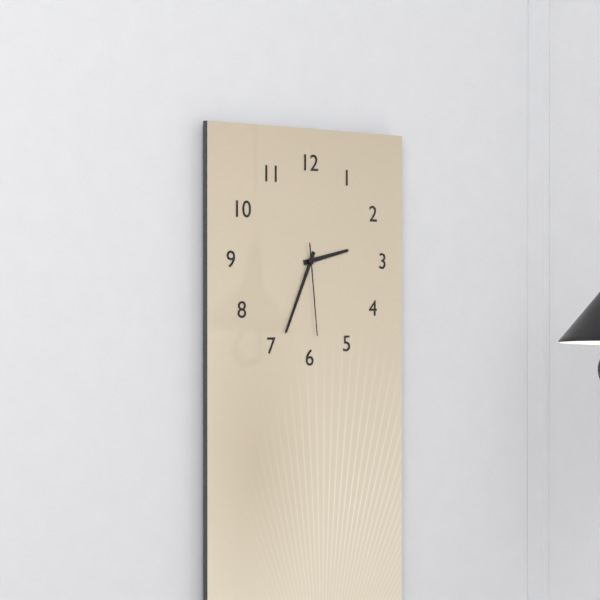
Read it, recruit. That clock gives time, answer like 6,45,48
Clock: 2,34,29
